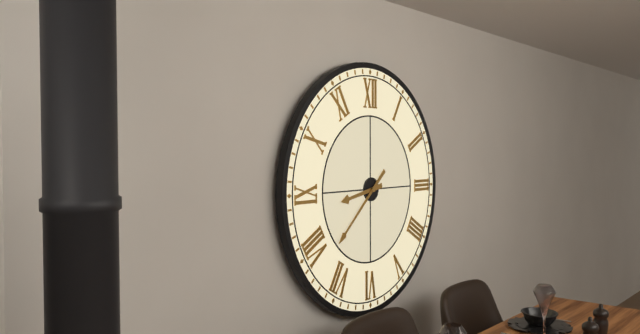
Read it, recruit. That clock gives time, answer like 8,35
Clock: 8,38
